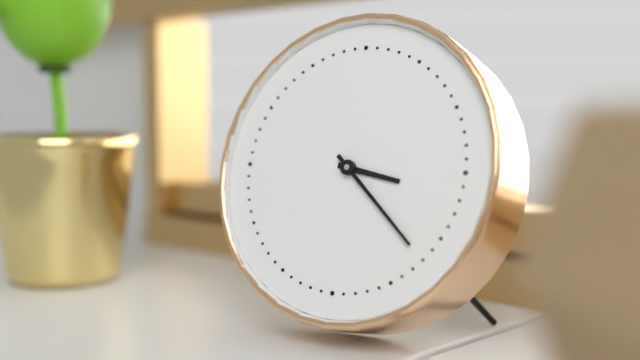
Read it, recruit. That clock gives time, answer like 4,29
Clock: 3,22
